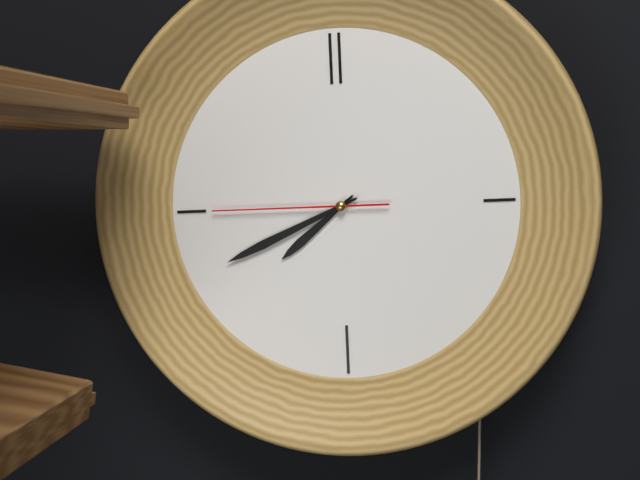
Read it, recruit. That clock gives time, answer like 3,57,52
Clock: 7,41,45
